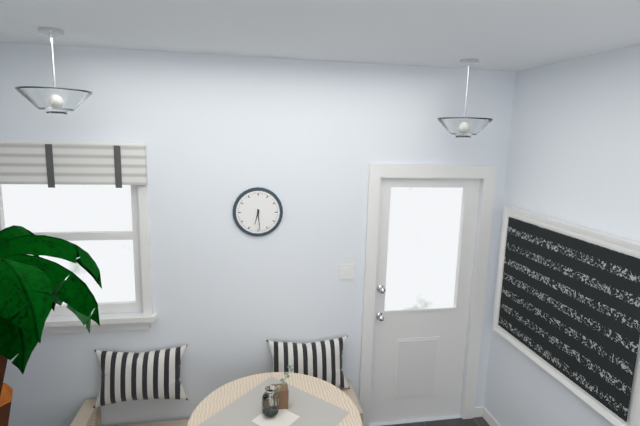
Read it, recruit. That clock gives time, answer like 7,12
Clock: 6,29
